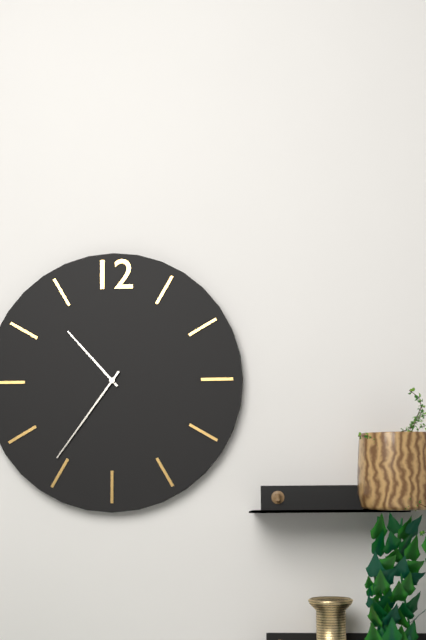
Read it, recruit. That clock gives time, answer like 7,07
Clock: 10,36
